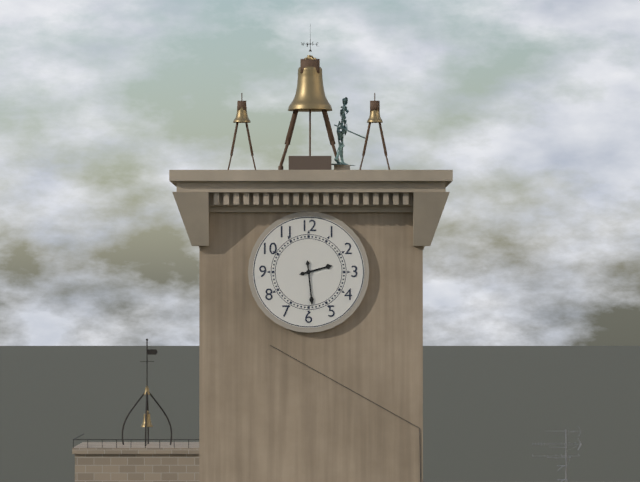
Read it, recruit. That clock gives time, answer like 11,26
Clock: 2,29
